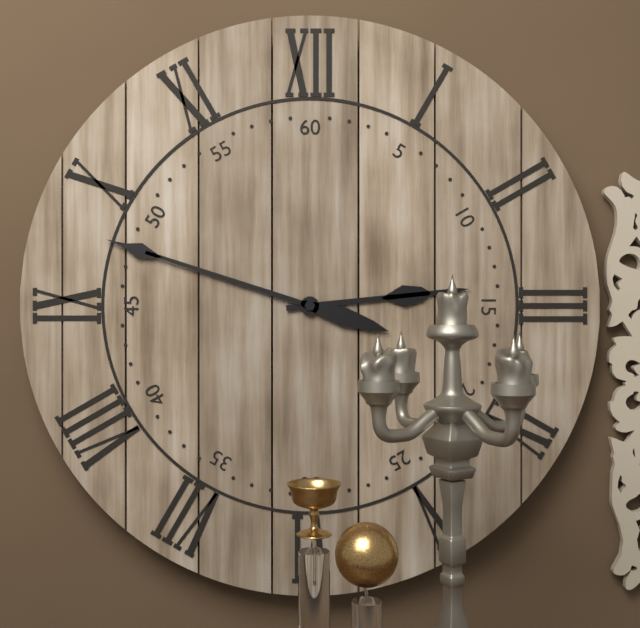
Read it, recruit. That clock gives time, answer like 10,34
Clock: 2,48
